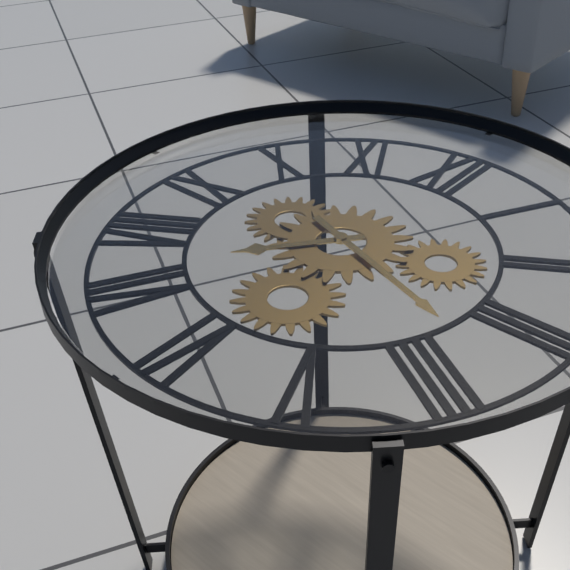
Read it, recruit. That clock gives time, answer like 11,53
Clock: 7,18
